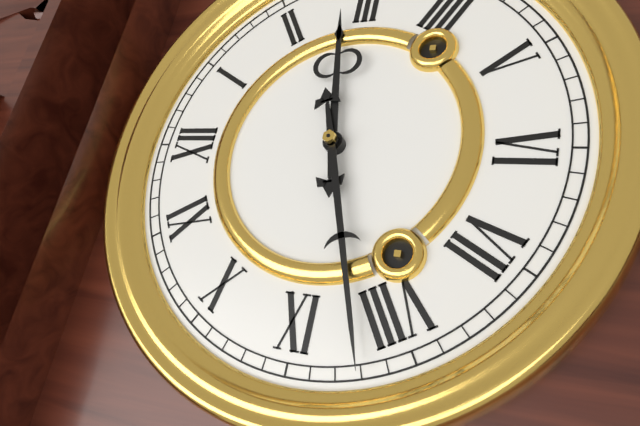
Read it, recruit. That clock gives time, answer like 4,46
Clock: 2,42
